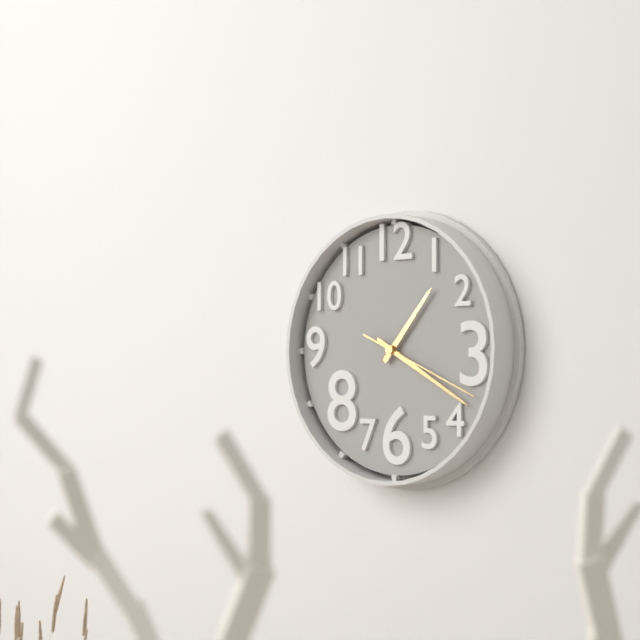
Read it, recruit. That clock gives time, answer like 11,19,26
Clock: 1,20,19
